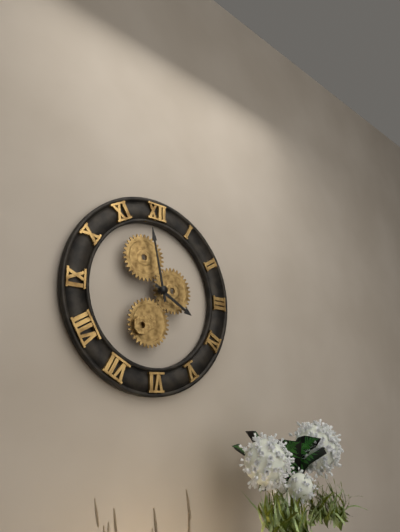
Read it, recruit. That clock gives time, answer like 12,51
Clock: 3,58
